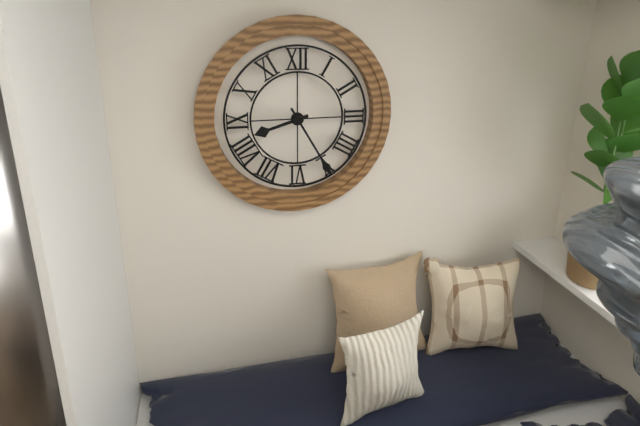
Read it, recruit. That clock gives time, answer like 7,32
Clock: 8,25
